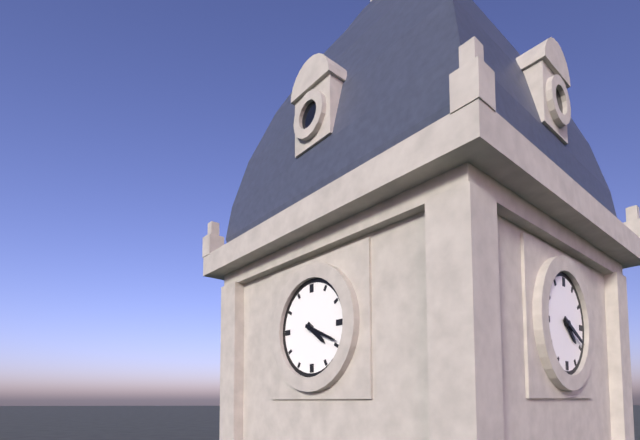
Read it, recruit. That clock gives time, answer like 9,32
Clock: 4,19
